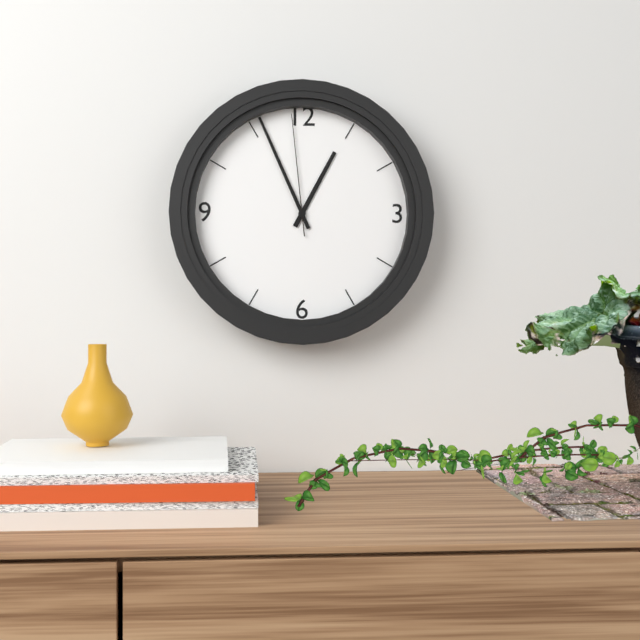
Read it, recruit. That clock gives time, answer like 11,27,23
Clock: 12,56,59
